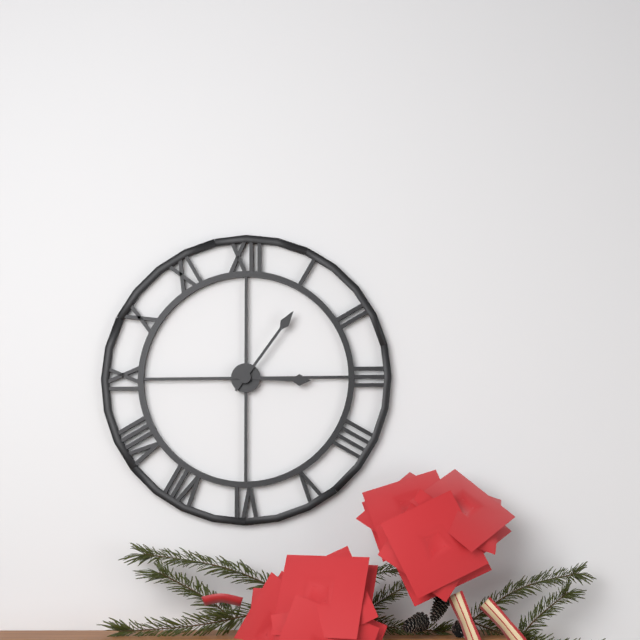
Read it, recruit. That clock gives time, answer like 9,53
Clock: 3,06
